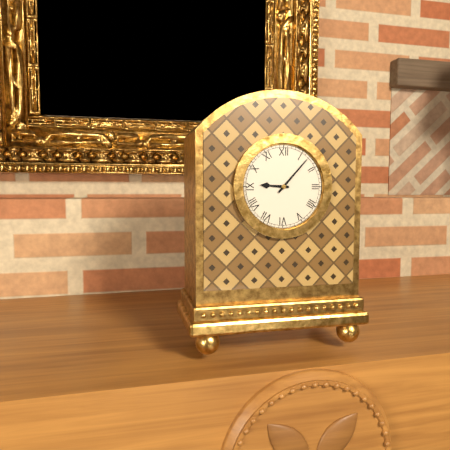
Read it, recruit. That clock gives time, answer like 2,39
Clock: 9,07
